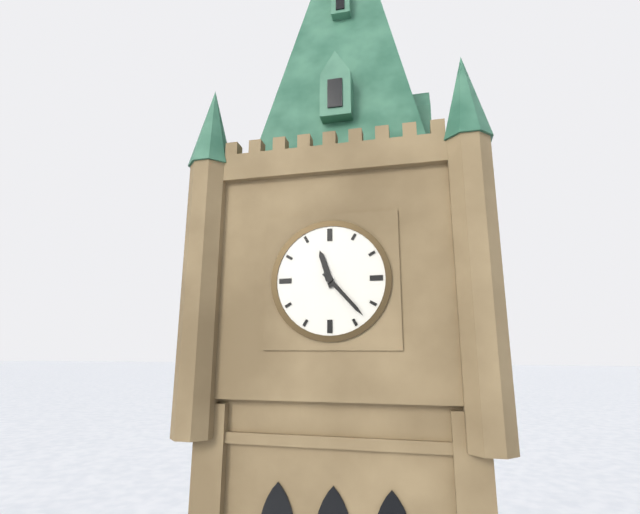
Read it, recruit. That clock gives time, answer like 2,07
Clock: 11,23
